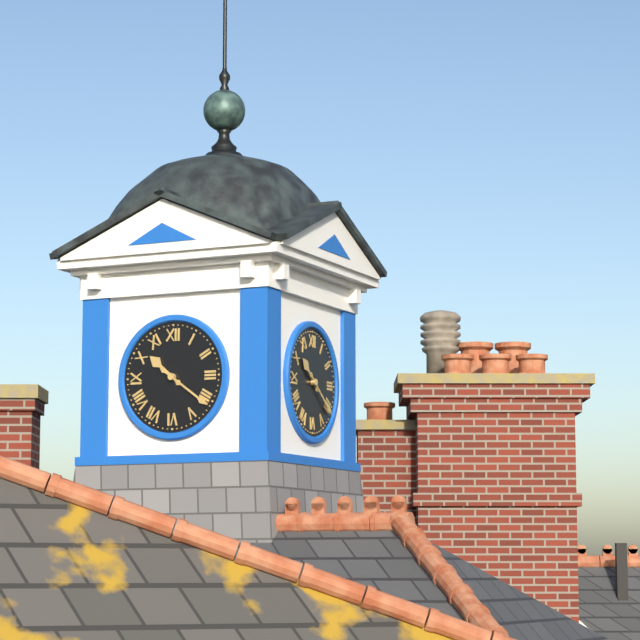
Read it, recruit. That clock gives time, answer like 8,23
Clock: 10,21
